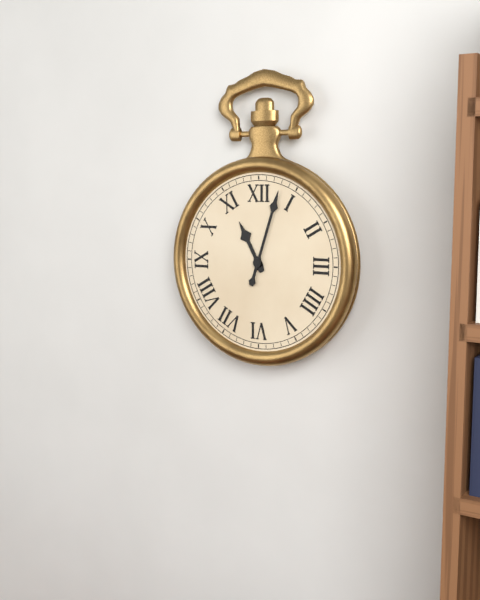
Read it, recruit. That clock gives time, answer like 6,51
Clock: 11,03
